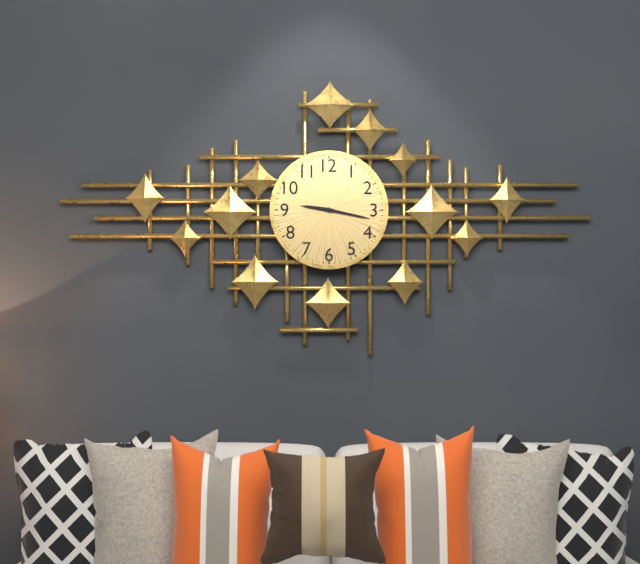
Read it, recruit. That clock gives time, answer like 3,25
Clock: 9,17
